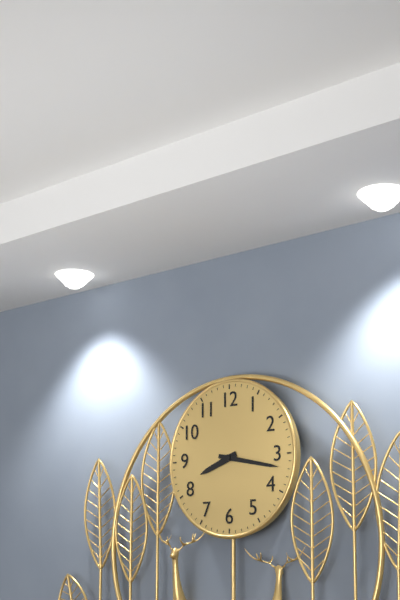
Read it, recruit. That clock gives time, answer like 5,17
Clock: 8,17
